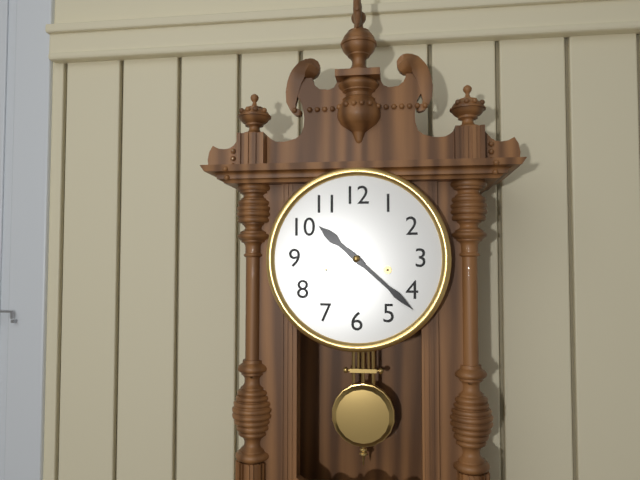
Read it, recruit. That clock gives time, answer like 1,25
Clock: 10,22
